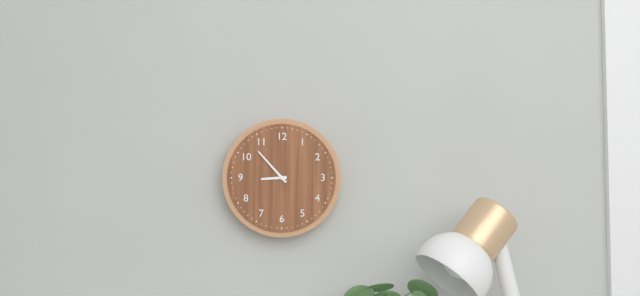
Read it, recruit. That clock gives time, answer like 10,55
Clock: 8,53
